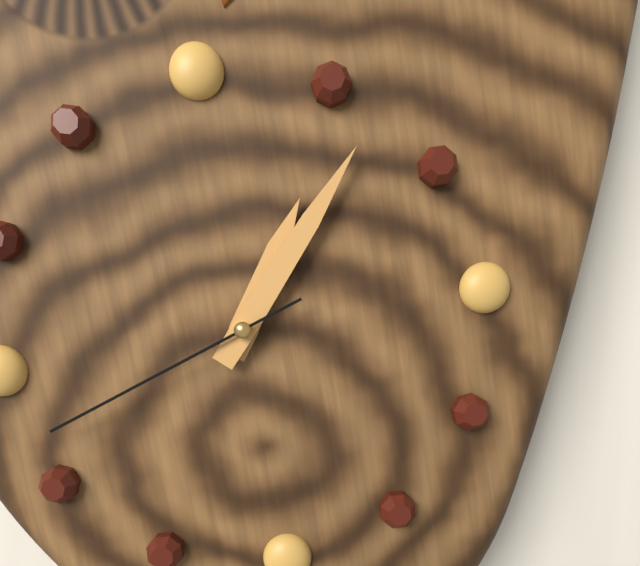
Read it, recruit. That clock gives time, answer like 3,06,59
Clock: 1,07,42
